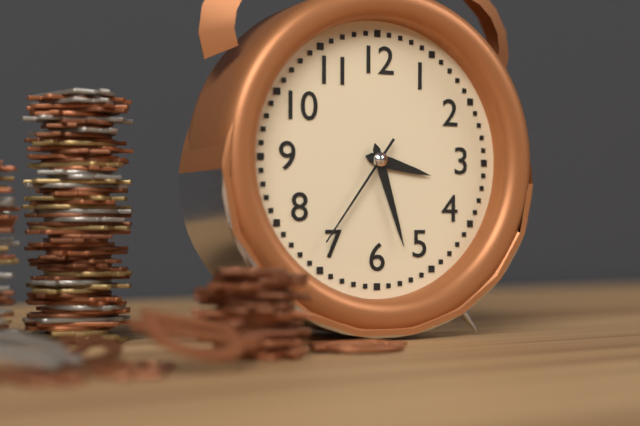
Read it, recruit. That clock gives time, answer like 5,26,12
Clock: 3,27,36
